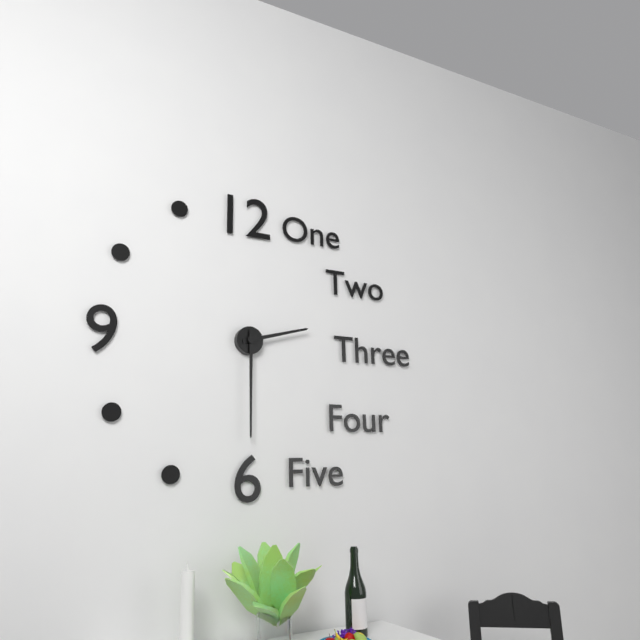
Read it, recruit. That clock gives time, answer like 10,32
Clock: 2,30
